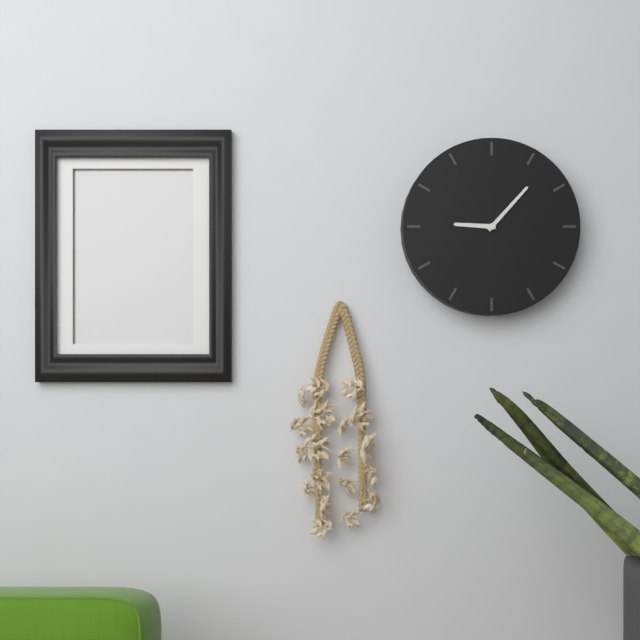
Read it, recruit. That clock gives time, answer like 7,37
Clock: 9,07
